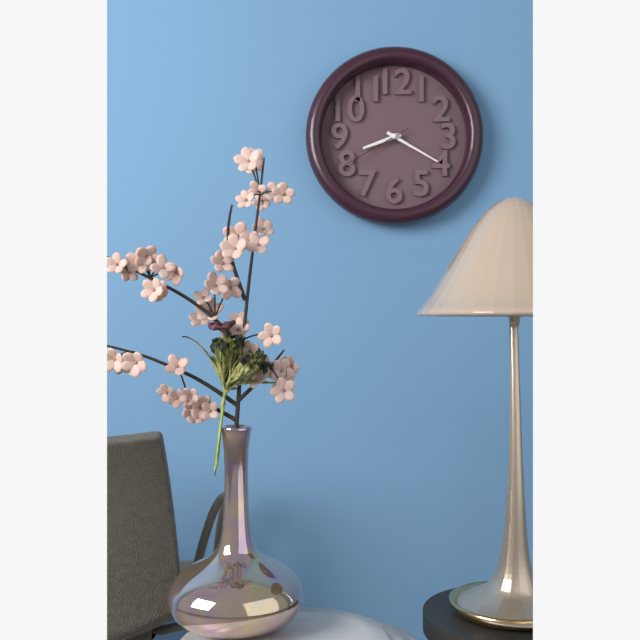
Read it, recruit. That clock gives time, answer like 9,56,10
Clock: 8,20,40
